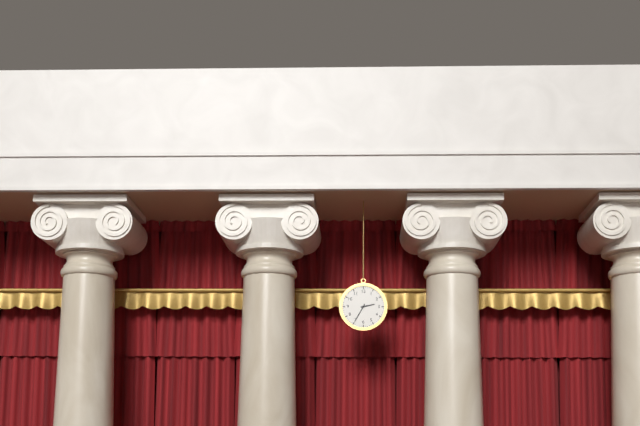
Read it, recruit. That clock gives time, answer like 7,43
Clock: 2,35
